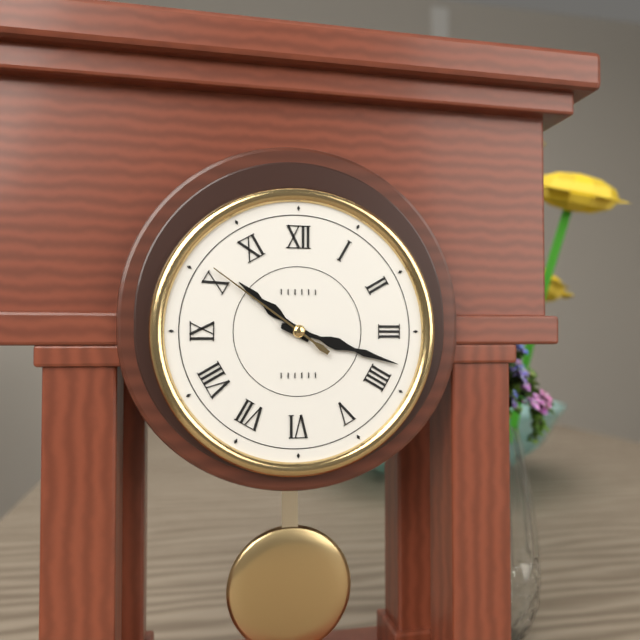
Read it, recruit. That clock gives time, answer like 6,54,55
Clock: 10,18,51
